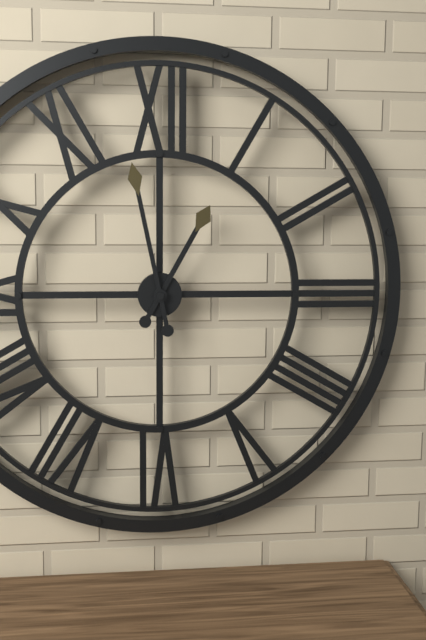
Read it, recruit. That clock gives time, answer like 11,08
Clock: 12,58
